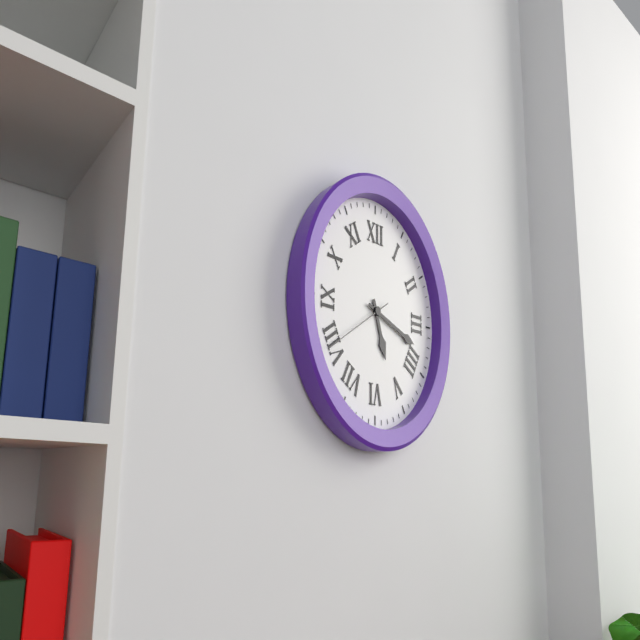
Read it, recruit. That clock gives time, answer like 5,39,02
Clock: 5,18,40
